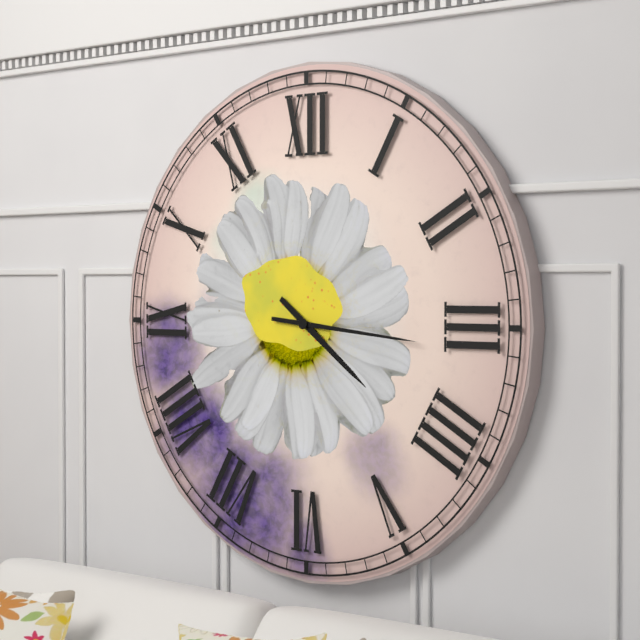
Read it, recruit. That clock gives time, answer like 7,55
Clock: 4,16
